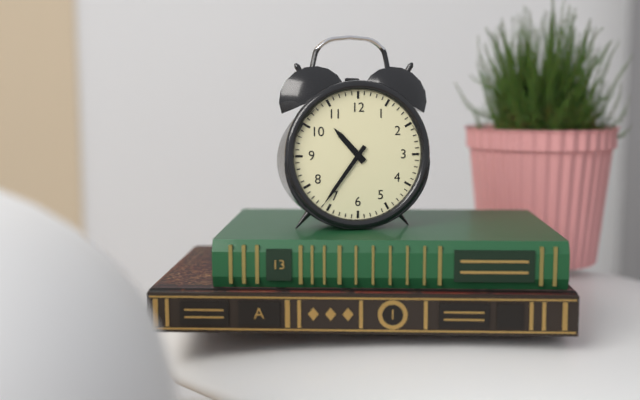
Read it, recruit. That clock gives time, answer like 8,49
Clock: 10,36
